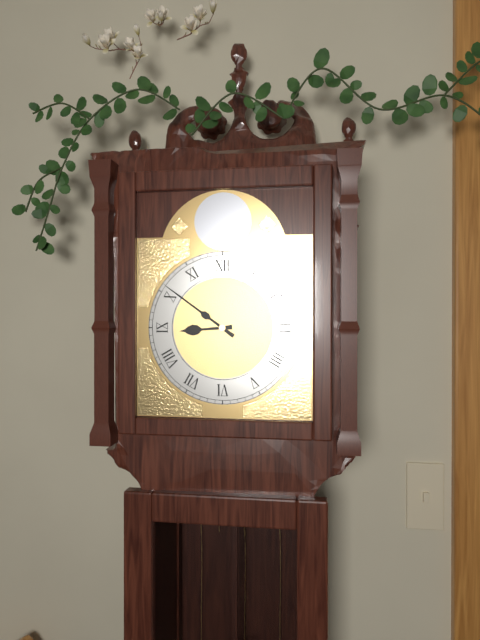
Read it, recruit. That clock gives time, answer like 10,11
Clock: 8,51
